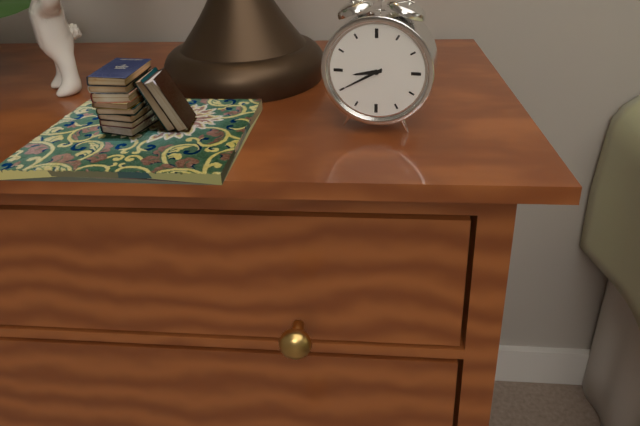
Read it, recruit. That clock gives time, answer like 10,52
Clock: 8,40
